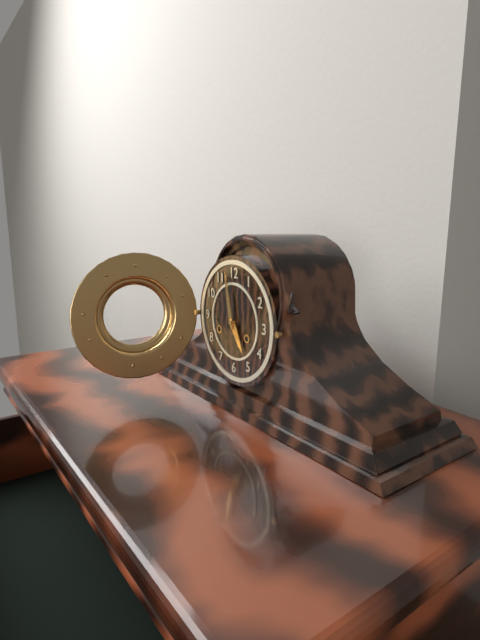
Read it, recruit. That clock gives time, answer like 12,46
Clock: 4,58
